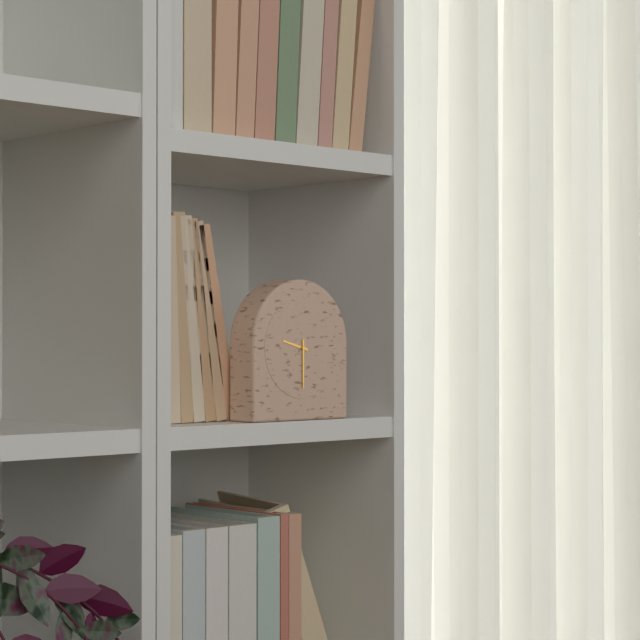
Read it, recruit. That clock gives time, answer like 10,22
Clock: 9,30
